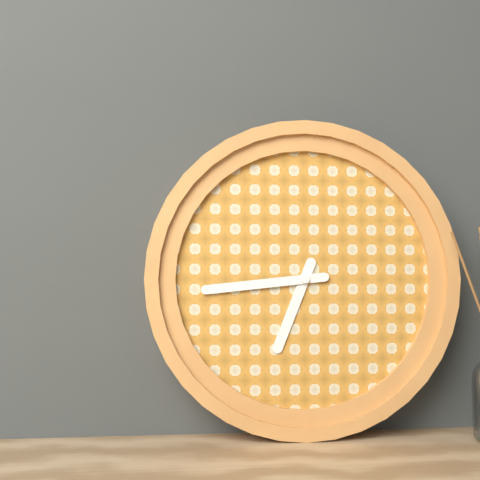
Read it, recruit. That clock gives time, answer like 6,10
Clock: 6,44
